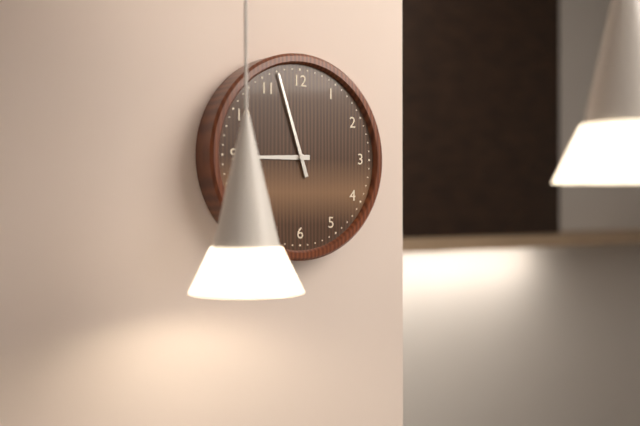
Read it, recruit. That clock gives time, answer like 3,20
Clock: 8,57
